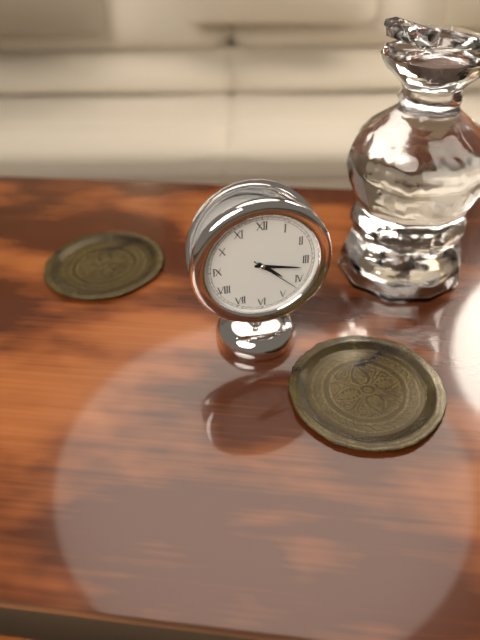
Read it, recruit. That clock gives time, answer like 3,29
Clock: 4,17
